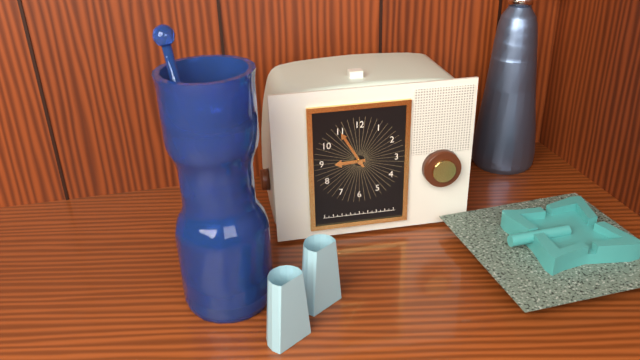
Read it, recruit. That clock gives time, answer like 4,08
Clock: 8,55
